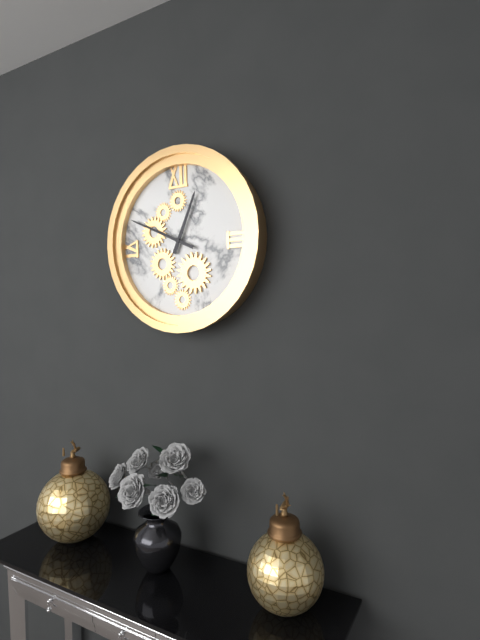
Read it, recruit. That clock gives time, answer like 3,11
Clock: 12,49
